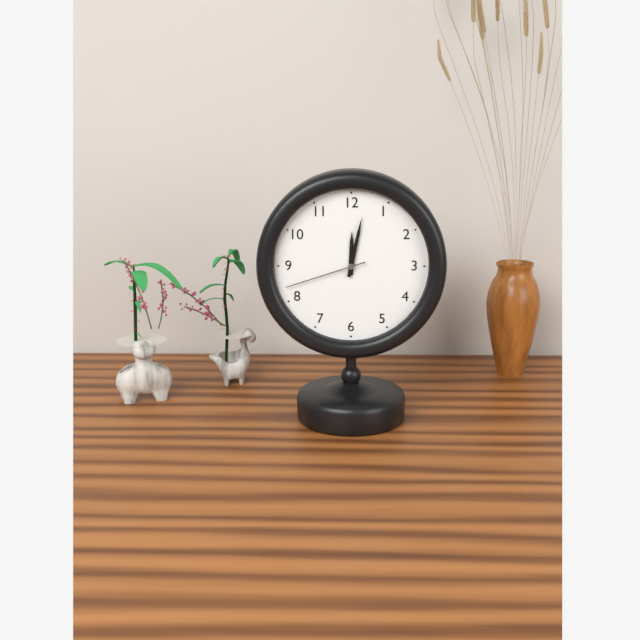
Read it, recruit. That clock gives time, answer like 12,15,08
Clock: 12,02,42
